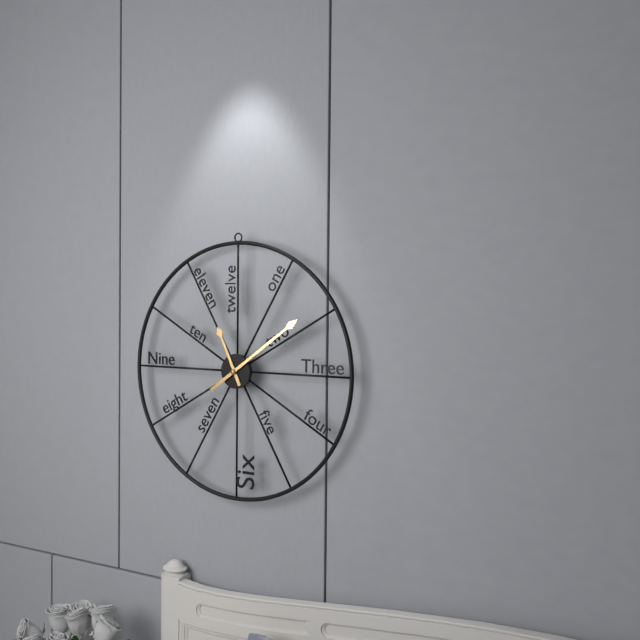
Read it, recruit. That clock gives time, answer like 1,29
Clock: 11,09
